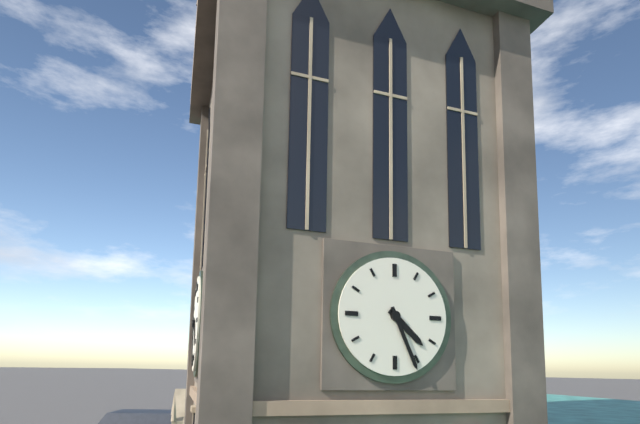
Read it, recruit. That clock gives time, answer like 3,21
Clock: 4,26
